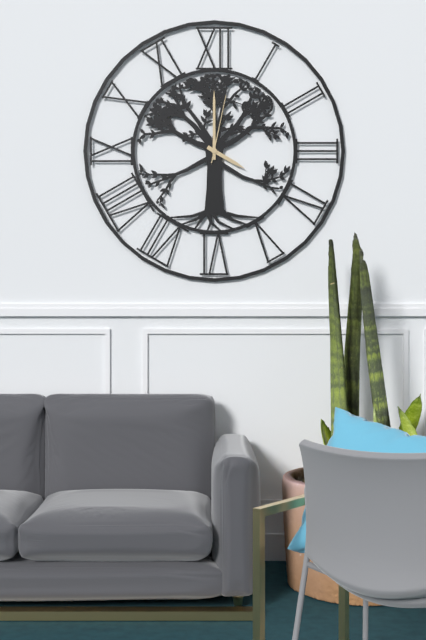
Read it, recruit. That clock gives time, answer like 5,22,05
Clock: 4,00,02
